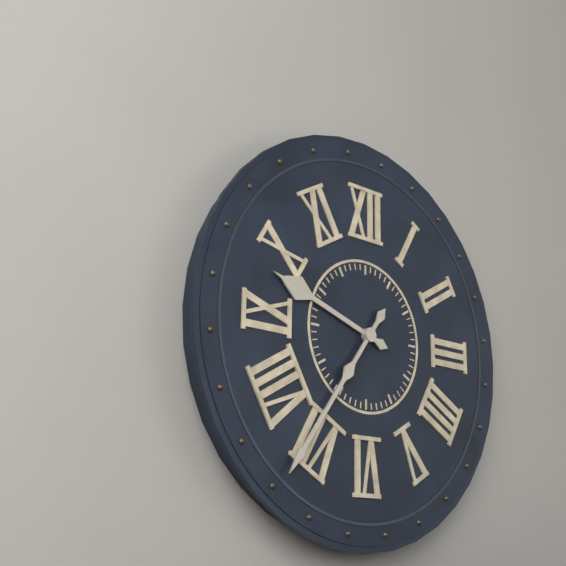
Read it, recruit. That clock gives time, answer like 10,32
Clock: 9,36
